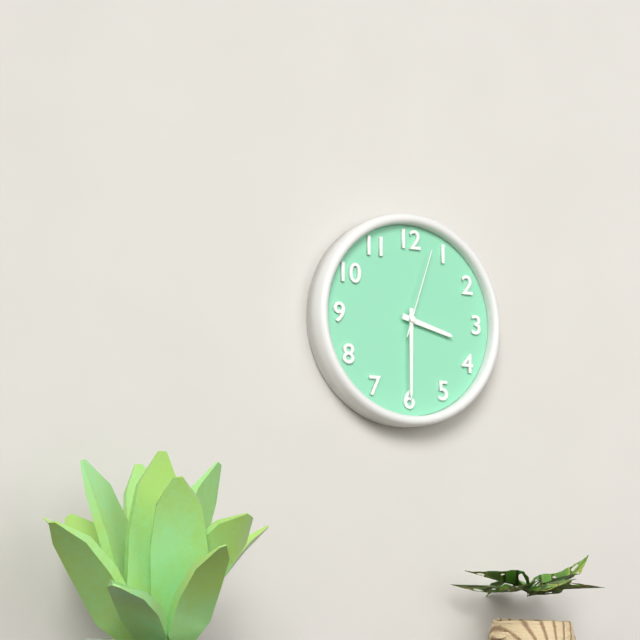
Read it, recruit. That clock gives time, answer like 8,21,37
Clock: 3,30,03
